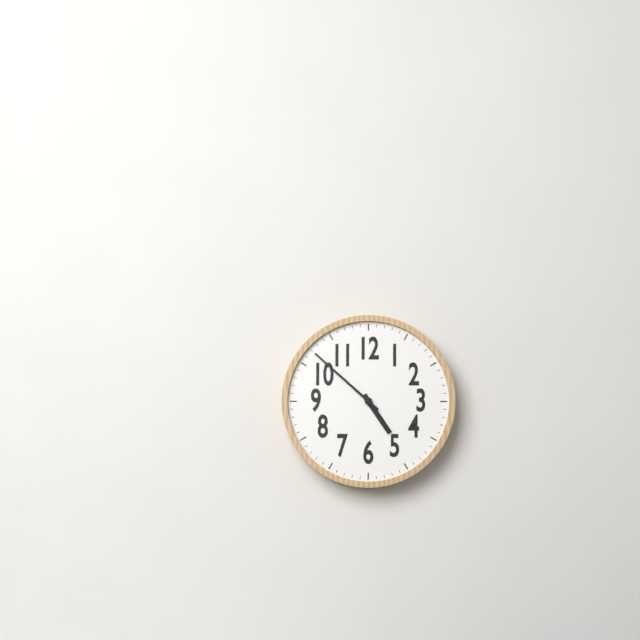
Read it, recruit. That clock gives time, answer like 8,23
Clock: 4,52
